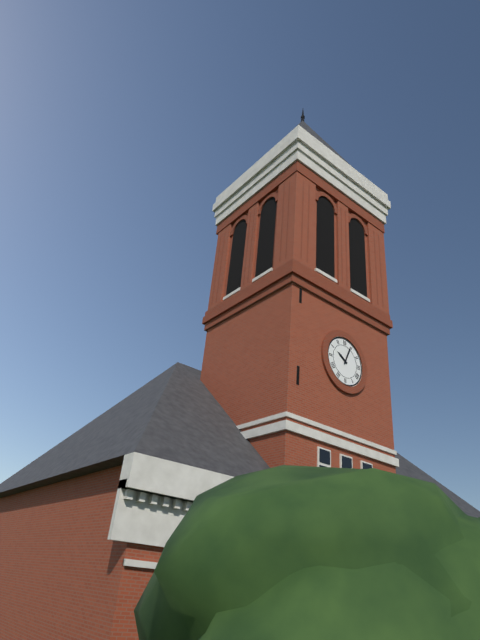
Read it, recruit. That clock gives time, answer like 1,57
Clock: 10,04
